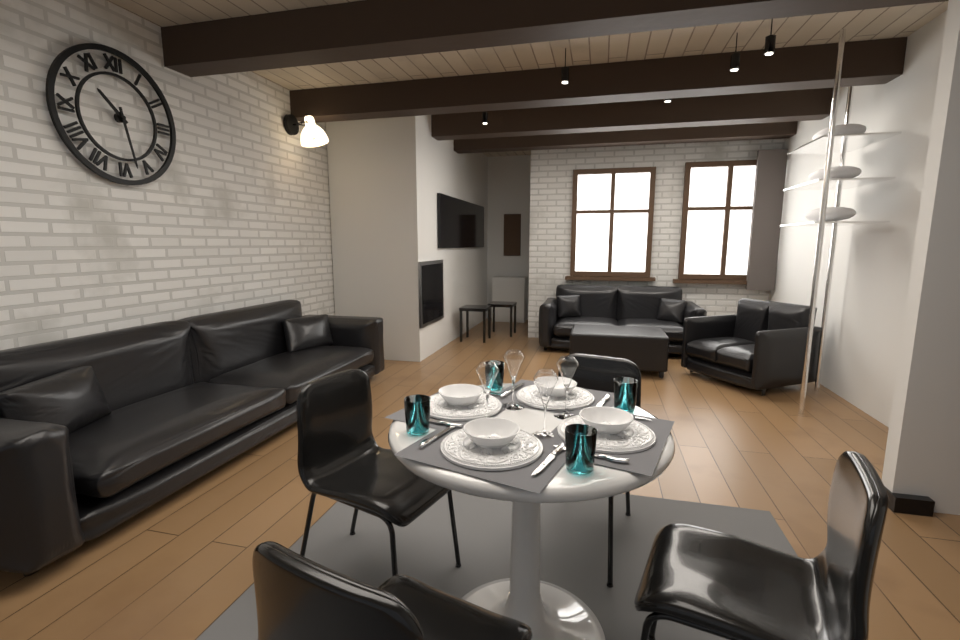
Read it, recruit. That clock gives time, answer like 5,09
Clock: 10,28
